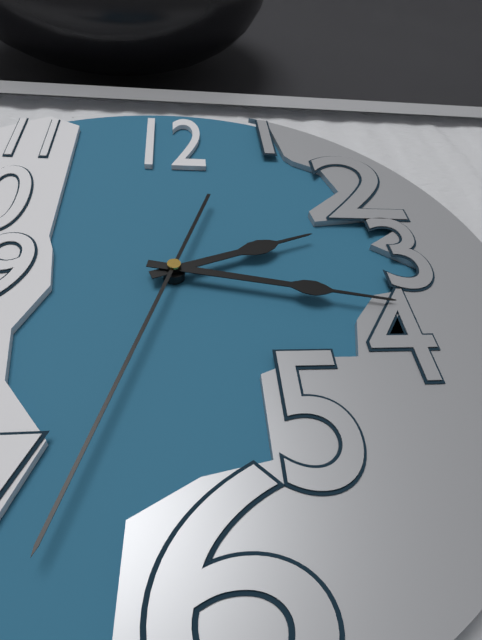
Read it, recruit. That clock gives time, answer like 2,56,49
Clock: 2,17,33
